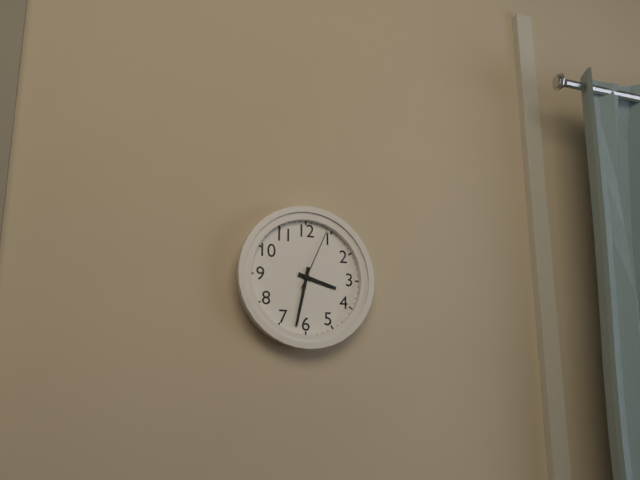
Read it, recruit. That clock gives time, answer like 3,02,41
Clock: 3,32,04
